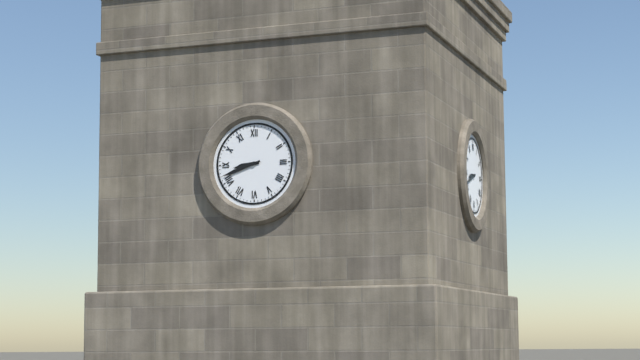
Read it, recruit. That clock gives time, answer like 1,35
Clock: 8,42
